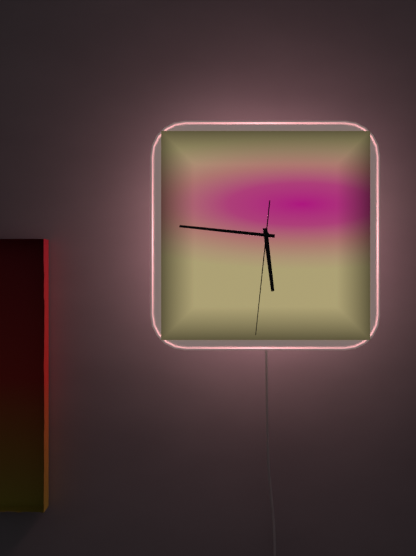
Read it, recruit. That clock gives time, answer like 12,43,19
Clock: 5,46,31
